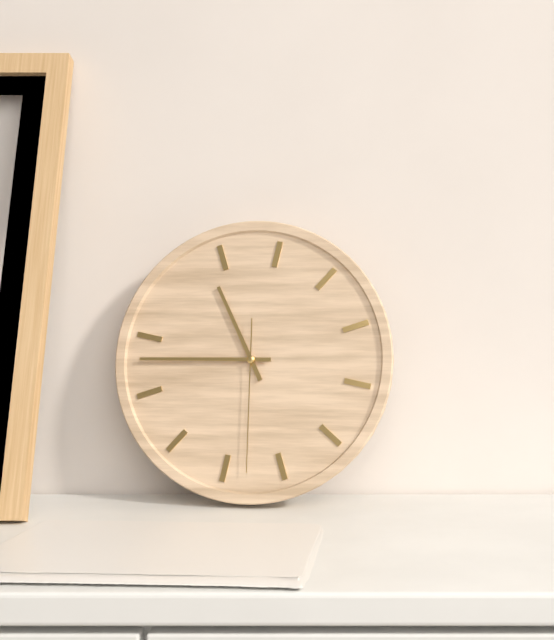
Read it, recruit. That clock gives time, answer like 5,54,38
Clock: 10,43,28
